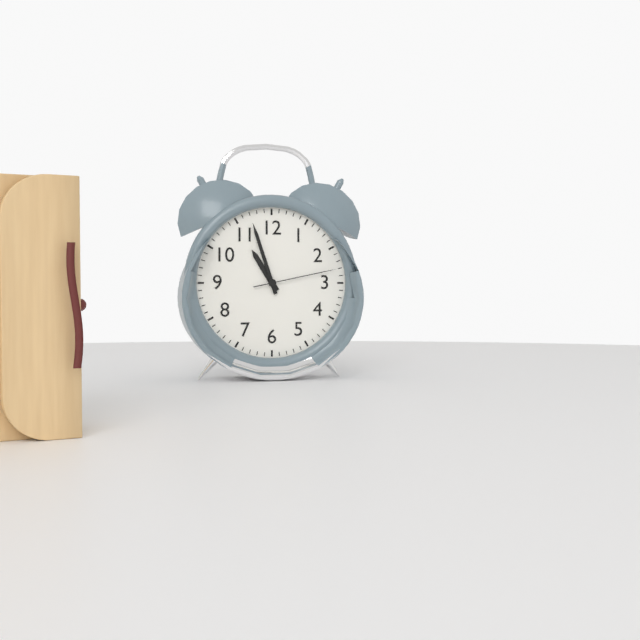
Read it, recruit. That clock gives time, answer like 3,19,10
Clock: 10,57,13
